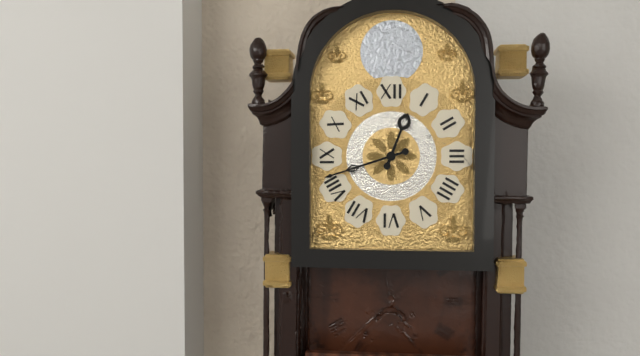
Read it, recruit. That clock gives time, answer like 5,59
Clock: 12,42
